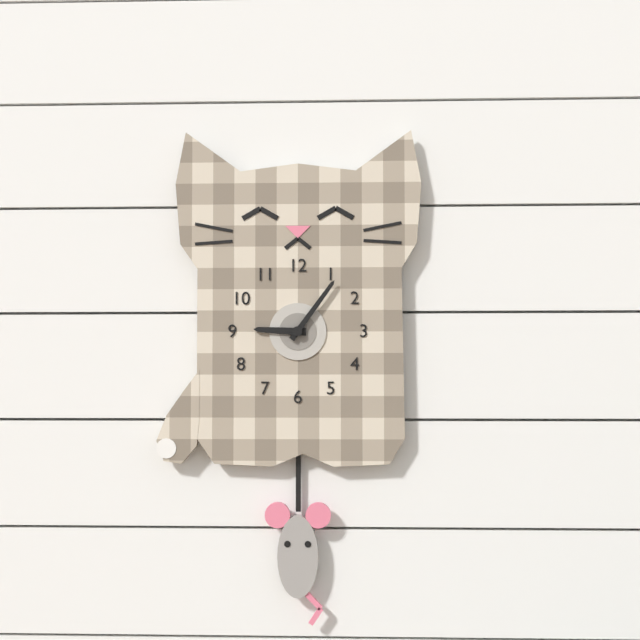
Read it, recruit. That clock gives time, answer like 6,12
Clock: 9,06
